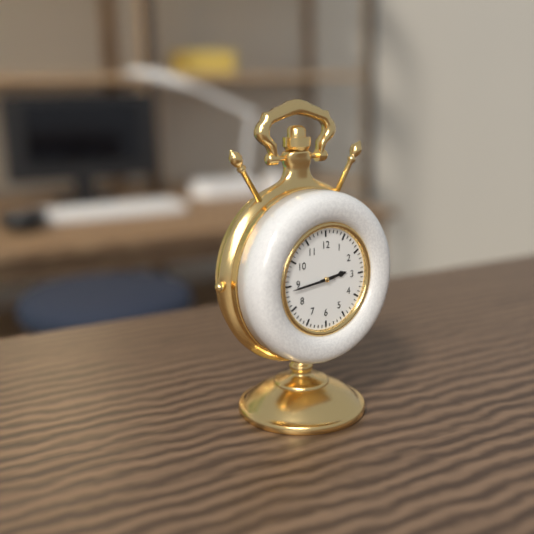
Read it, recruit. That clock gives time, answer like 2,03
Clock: 2,44
